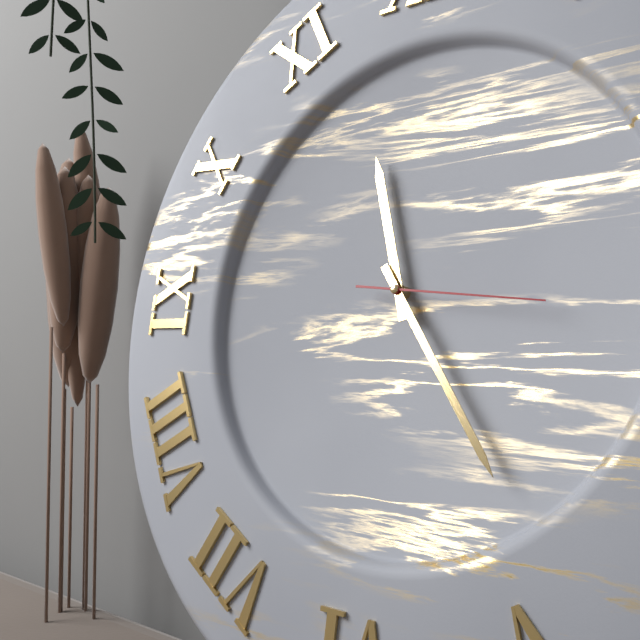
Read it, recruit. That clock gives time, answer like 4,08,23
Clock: 11,24,16
